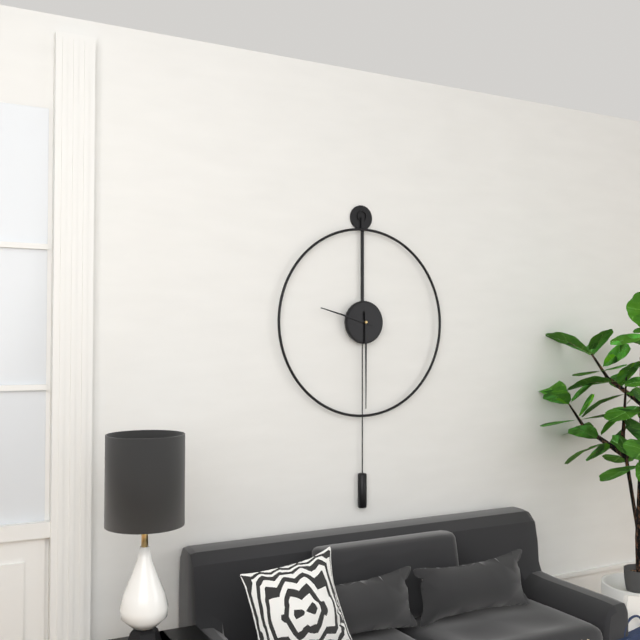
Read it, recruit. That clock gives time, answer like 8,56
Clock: 9,30
